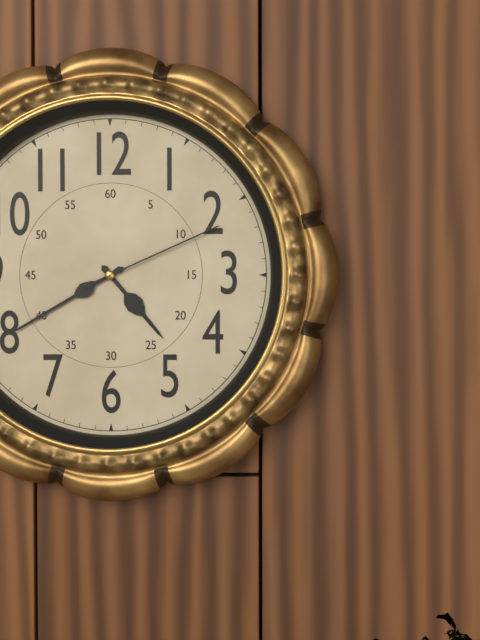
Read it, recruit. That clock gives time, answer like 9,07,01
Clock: 4,40,11
